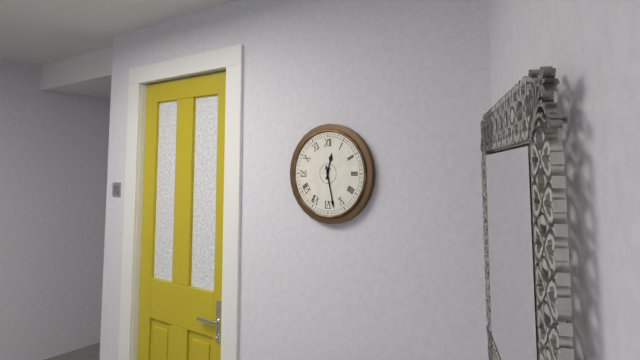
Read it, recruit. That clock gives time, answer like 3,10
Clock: 12,28
